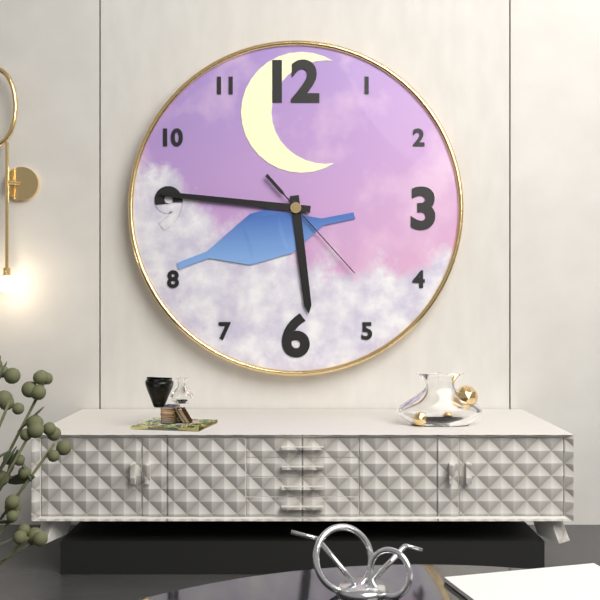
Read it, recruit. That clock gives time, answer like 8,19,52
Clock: 5,46,23
